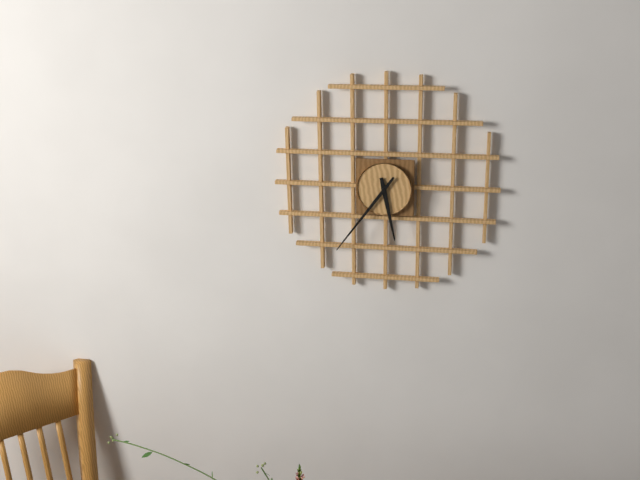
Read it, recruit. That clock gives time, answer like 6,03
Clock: 5,36
